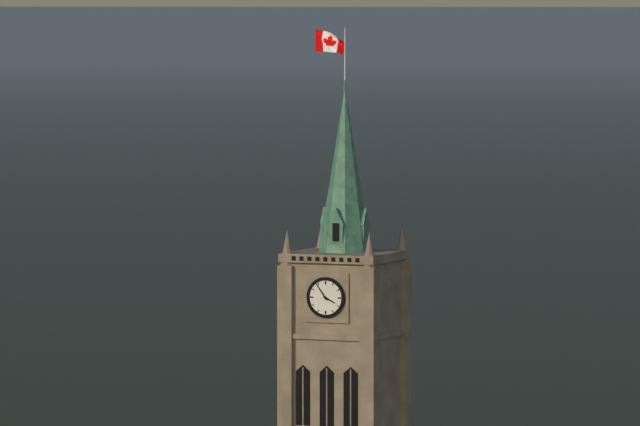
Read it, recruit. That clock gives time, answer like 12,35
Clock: 3,54
